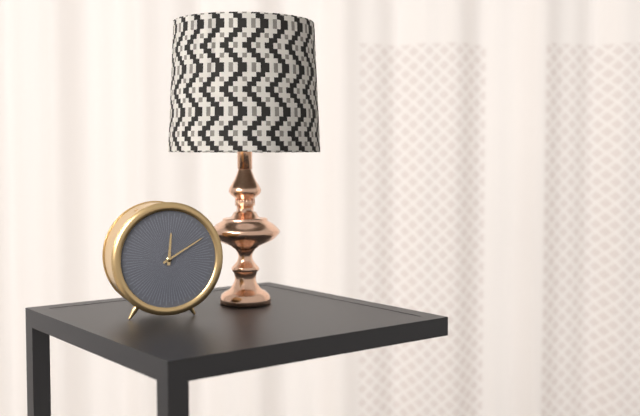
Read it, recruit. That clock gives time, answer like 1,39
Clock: 12,10
